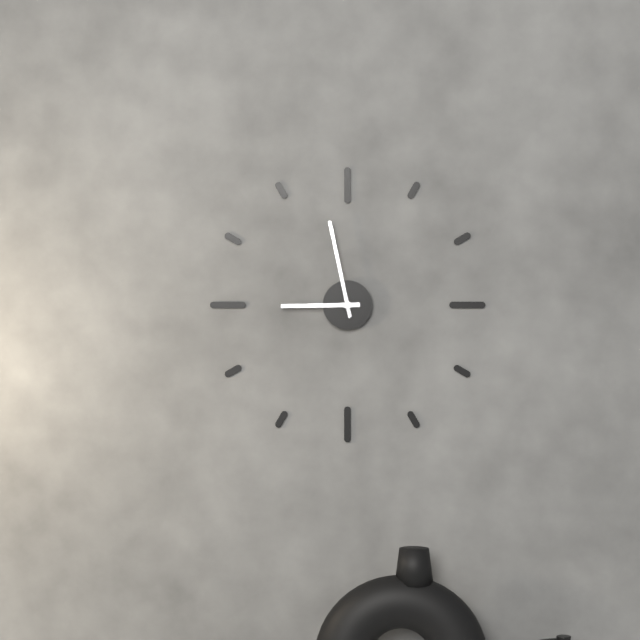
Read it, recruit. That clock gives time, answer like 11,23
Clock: 8,58
